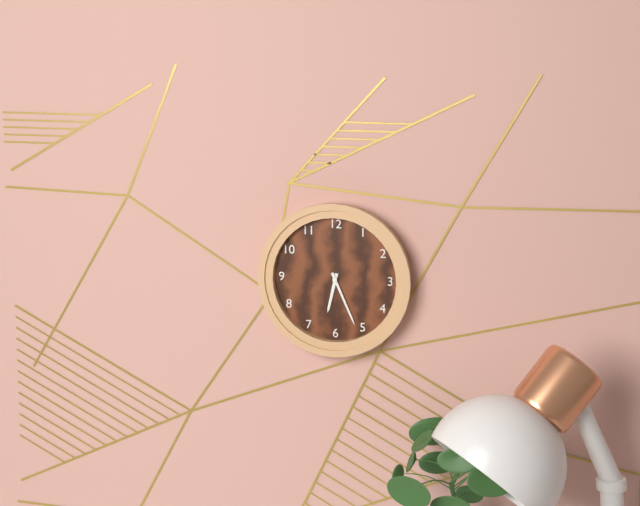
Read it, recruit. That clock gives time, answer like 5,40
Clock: 6,26
